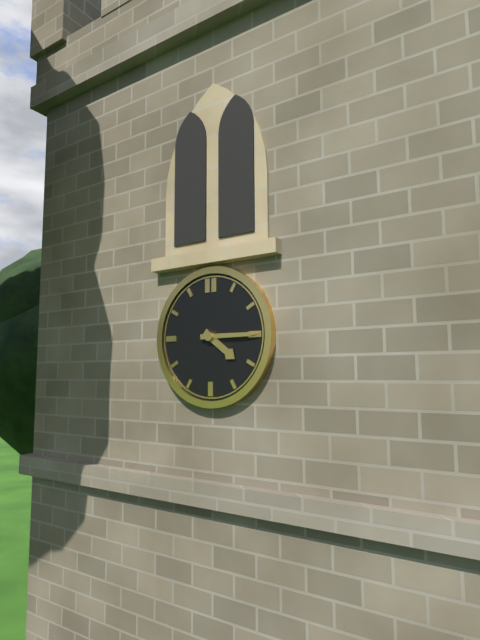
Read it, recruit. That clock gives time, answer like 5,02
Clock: 4,15
